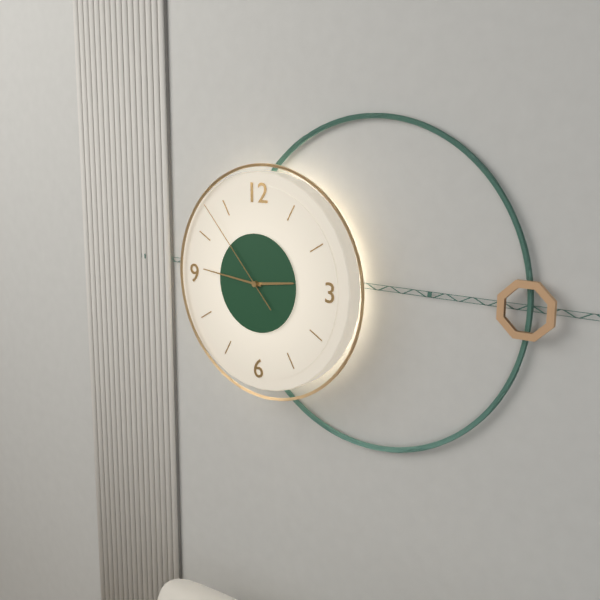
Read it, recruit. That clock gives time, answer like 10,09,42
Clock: 2,46,53
